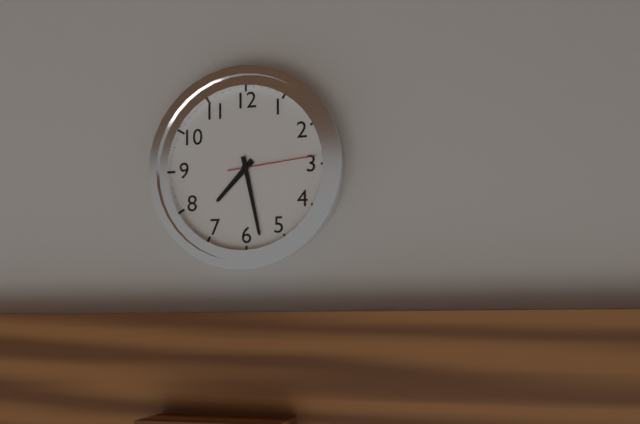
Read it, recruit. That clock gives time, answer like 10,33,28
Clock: 7,28,14
